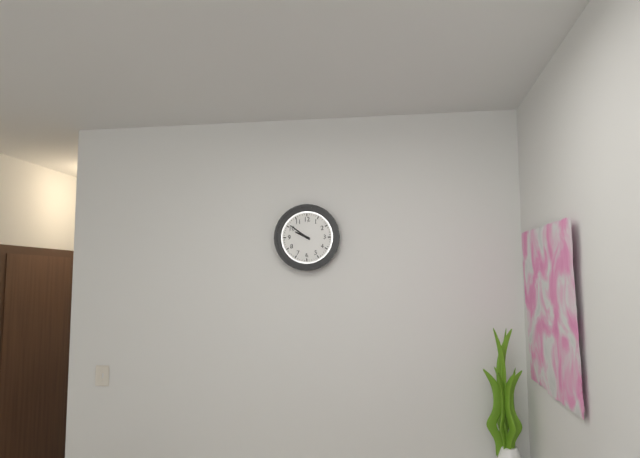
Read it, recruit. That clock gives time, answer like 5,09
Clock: 9,51
